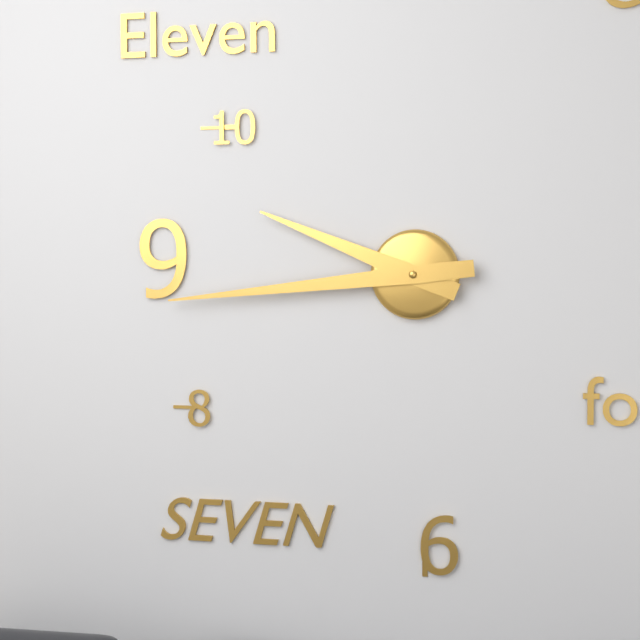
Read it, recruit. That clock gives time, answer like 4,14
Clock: 9,44
